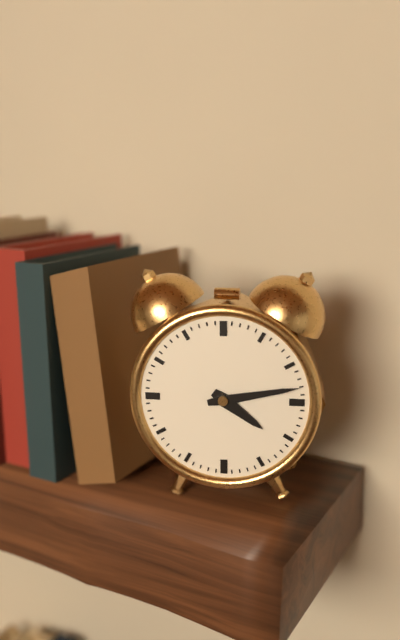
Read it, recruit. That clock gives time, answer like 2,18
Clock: 4,13
